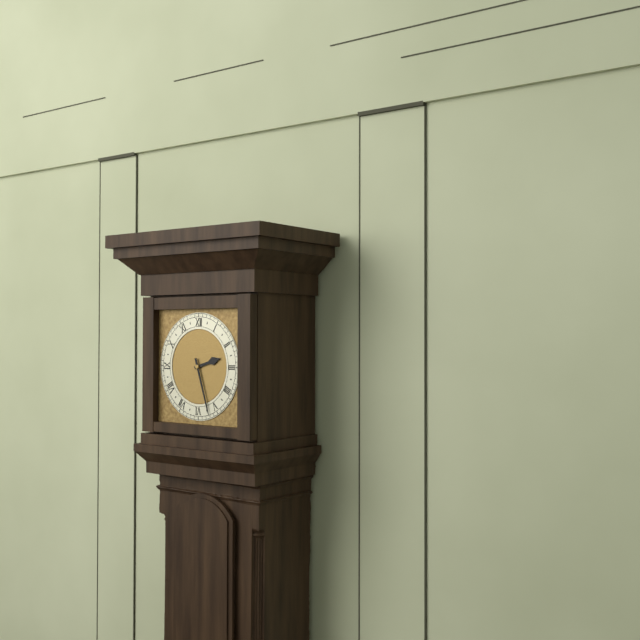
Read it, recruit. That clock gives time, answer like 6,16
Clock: 2,27
